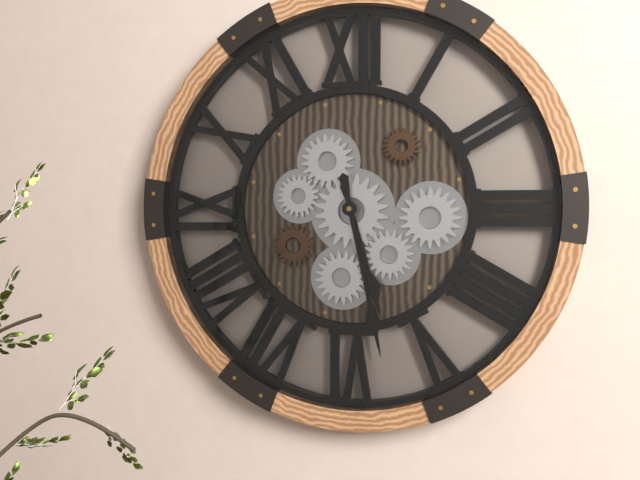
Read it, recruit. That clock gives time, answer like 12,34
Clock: 5,28
